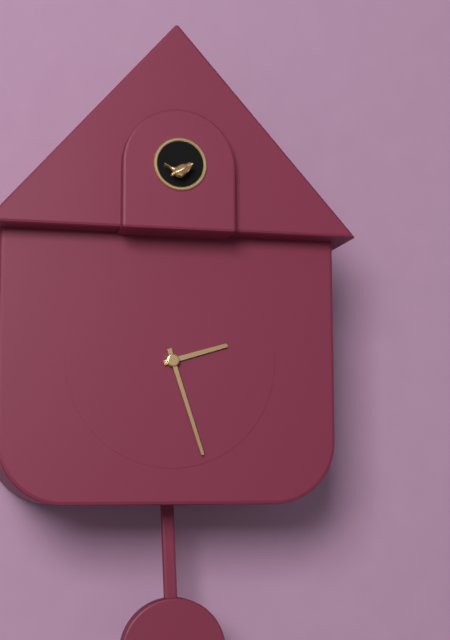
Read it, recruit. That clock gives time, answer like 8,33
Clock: 2,27
